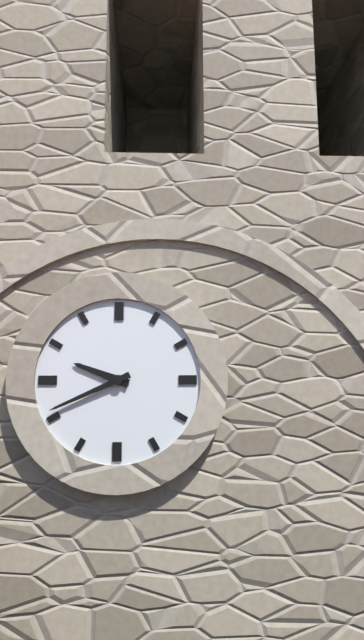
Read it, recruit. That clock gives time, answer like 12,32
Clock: 9,41
